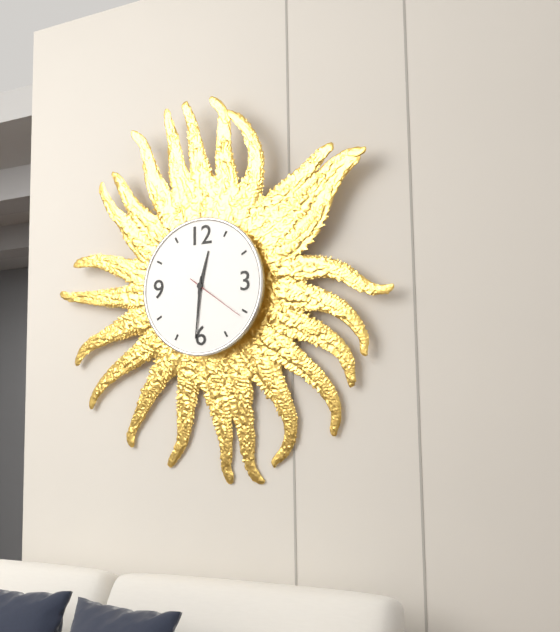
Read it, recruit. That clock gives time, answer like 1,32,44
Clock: 12,31,21
